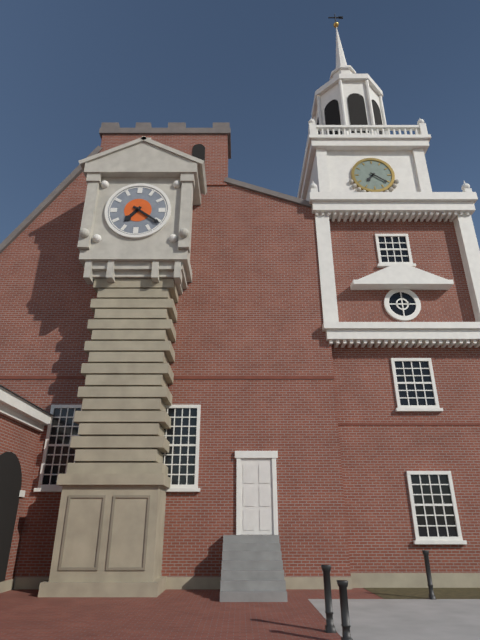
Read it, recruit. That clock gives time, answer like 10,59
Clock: 7,21
